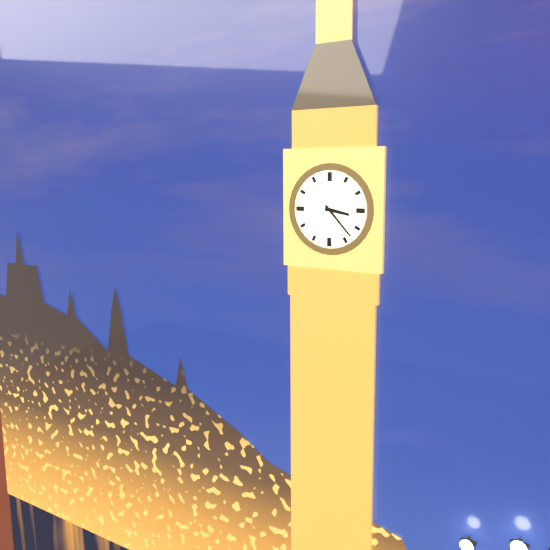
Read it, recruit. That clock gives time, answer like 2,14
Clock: 3,23
